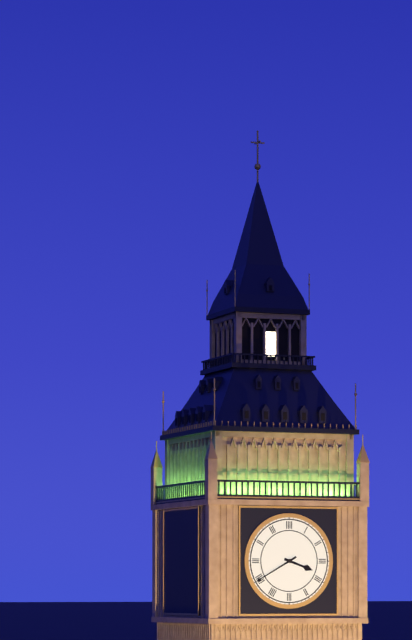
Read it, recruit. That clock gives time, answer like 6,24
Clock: 3,40
